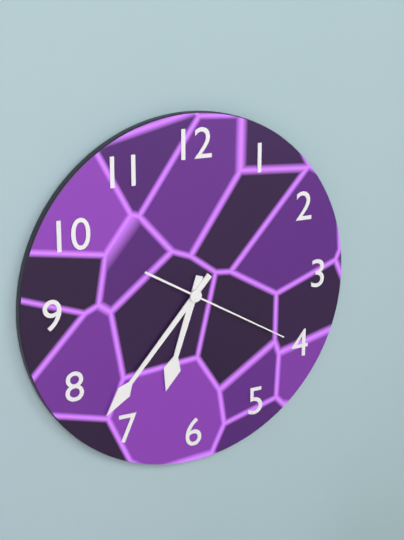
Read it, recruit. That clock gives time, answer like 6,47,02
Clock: 6,37,20
